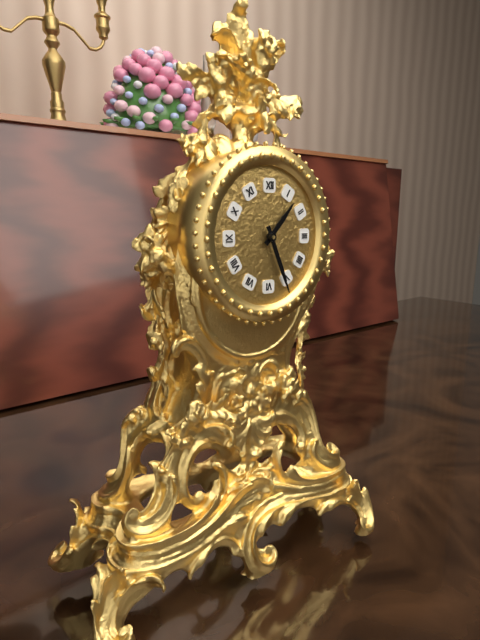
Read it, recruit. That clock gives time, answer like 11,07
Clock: 1,26
